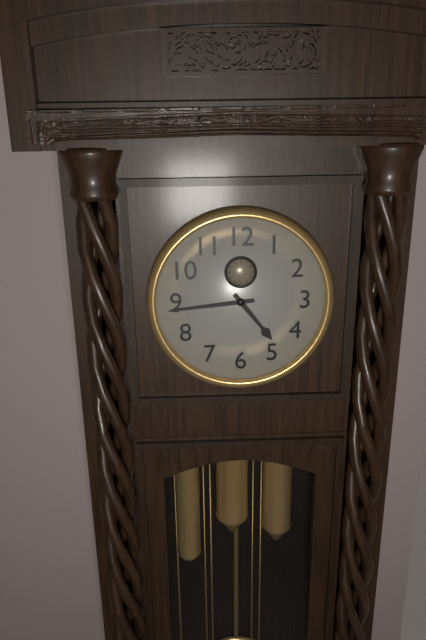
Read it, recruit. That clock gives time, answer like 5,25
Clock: 4,44
